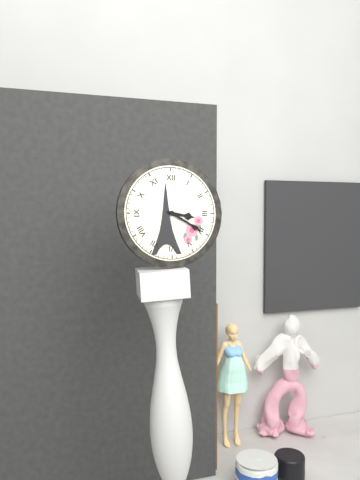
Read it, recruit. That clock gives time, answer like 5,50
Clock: 3,20
